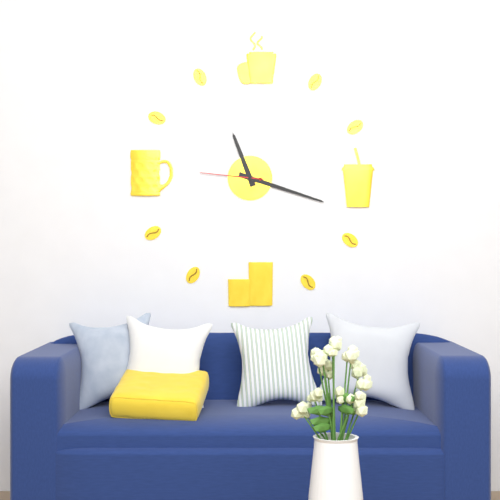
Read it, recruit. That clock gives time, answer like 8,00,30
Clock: 11,18,46
